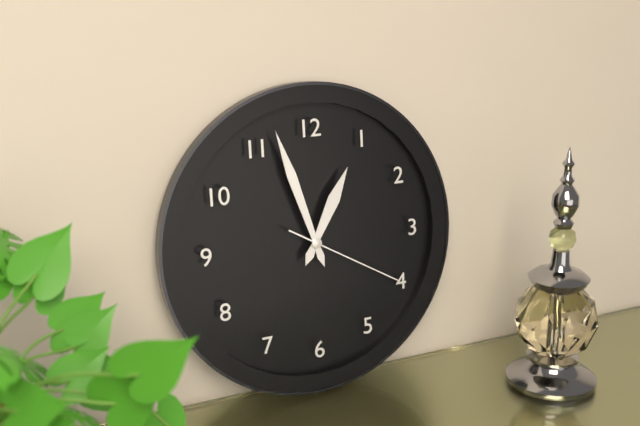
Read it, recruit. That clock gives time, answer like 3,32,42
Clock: 12,57,20
